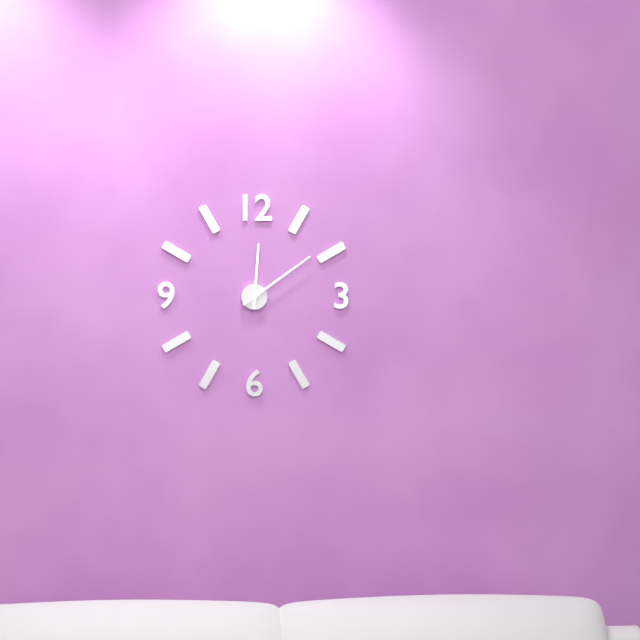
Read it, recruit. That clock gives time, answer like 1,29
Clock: 12,09
